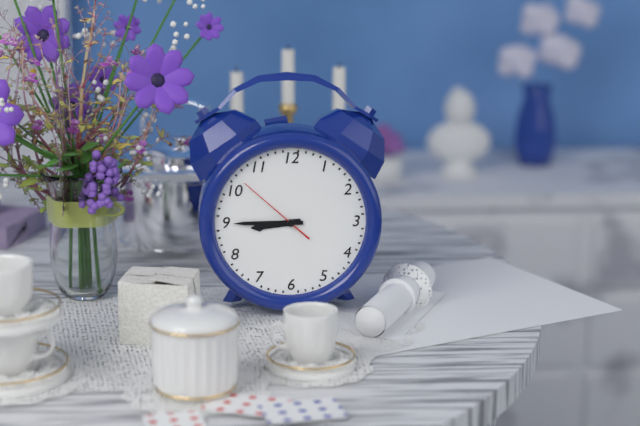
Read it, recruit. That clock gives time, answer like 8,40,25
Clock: 8,45,52
